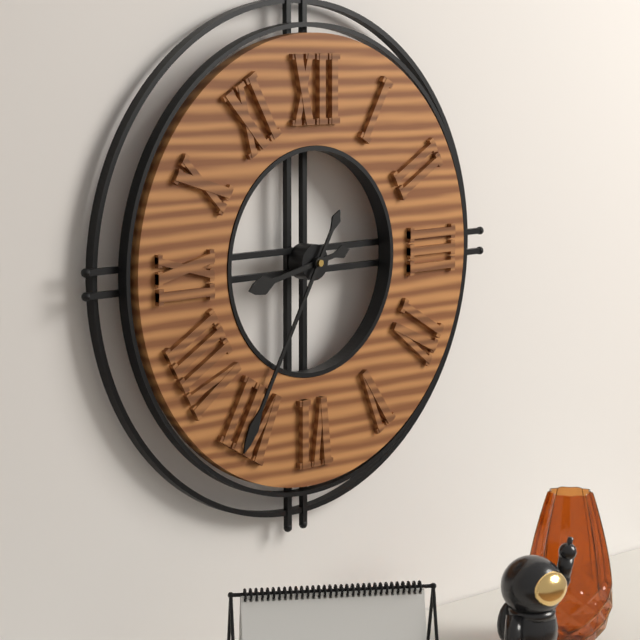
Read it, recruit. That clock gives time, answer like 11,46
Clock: 8,35
